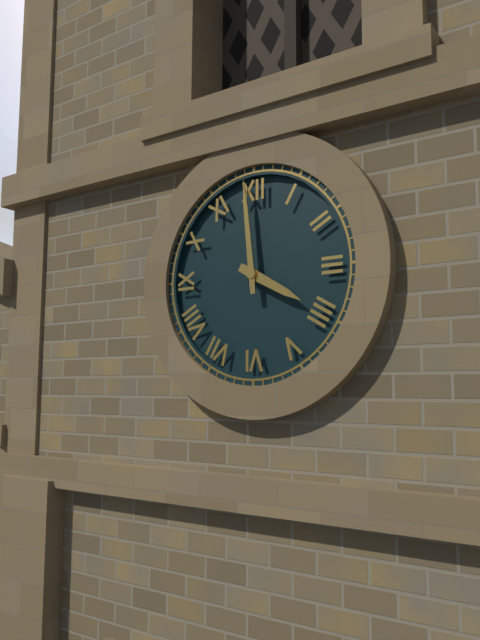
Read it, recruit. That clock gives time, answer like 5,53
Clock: 3,59
